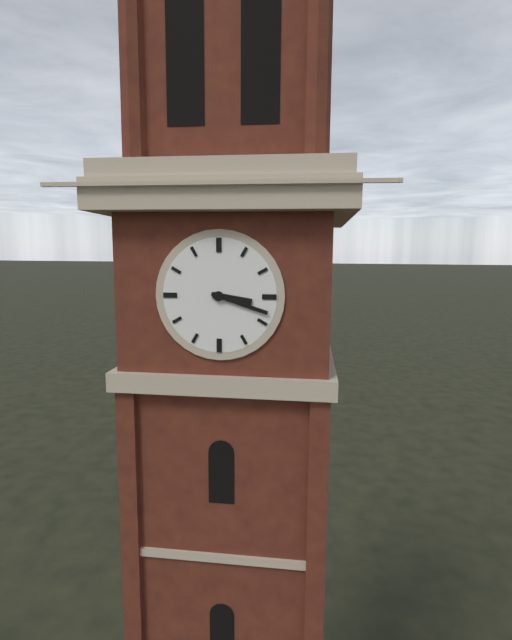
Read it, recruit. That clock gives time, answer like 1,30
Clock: 3,18
